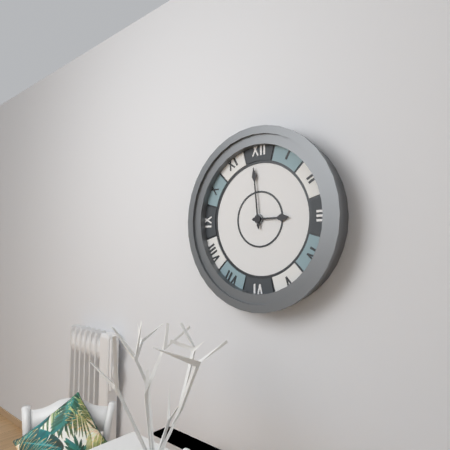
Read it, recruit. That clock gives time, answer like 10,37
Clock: 2,59
